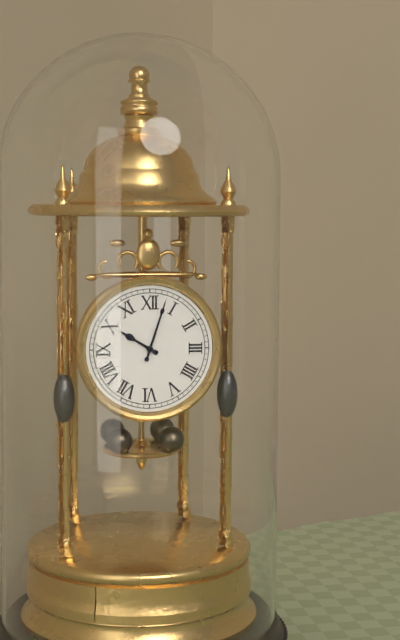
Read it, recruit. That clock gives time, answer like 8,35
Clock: 10,03
